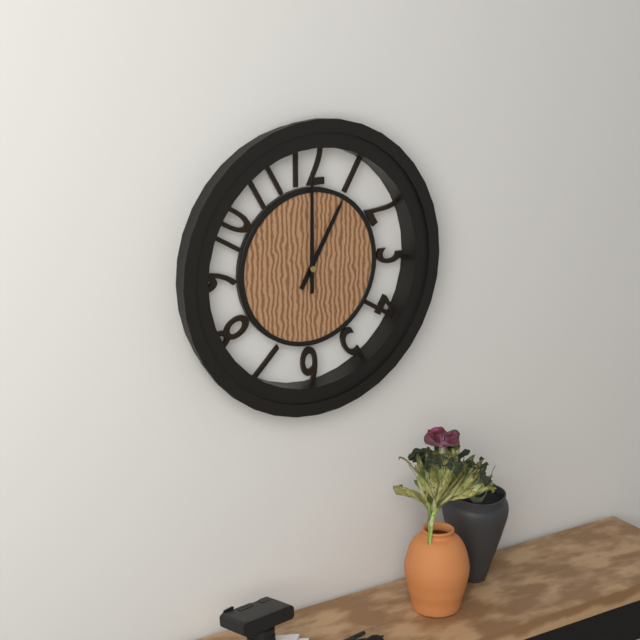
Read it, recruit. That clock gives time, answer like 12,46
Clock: 1,00
